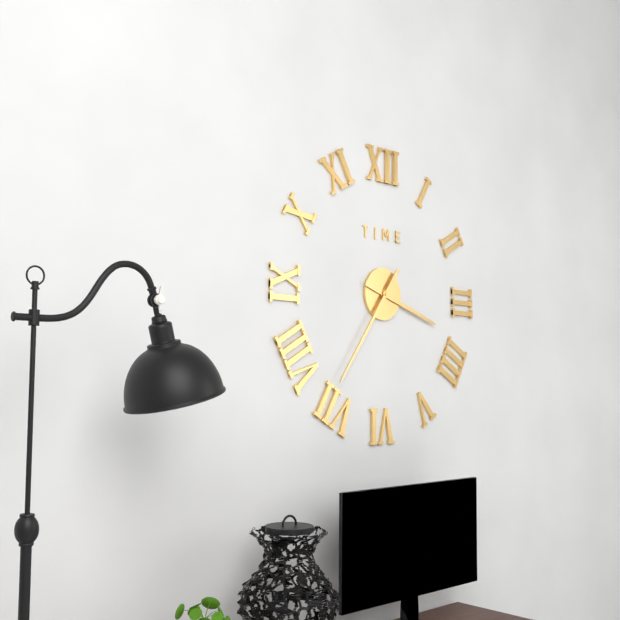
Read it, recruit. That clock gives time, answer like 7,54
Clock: 3,36
